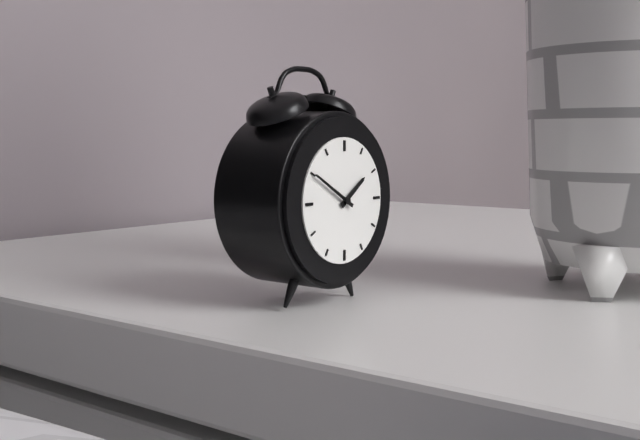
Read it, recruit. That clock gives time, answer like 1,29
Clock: 1,50
